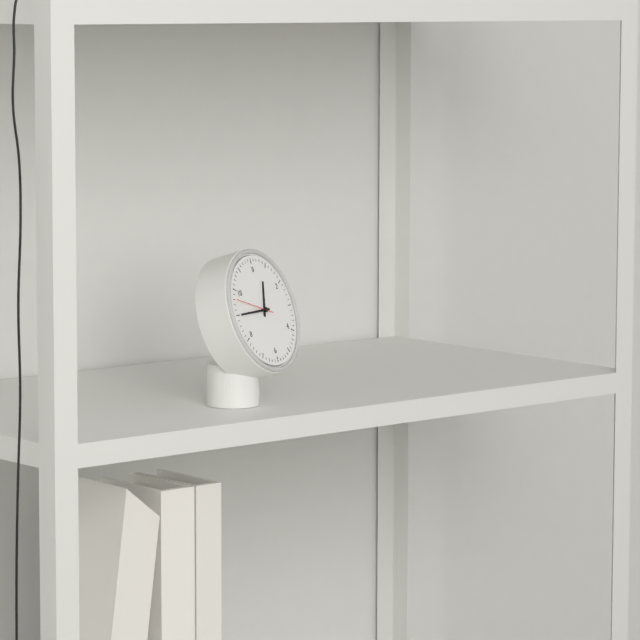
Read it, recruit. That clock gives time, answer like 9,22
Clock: 12,45
